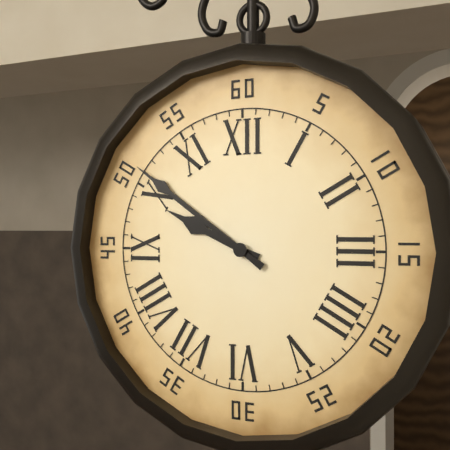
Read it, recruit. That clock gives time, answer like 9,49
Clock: 9,51
